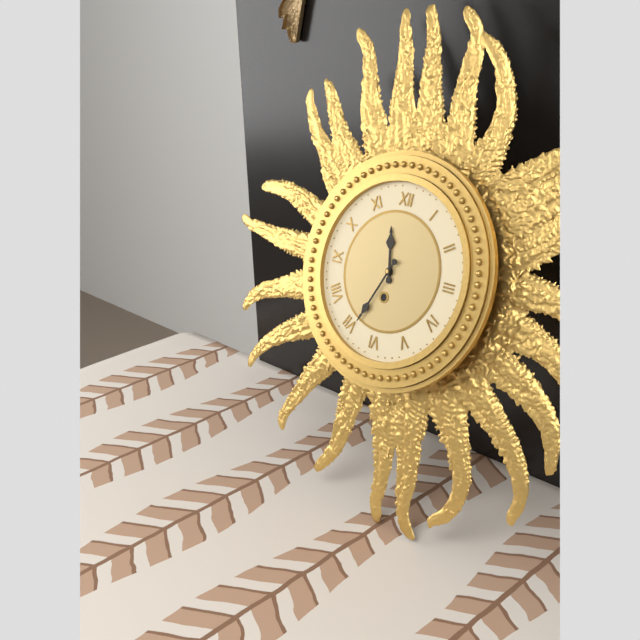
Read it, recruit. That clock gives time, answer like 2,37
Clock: 11,34
